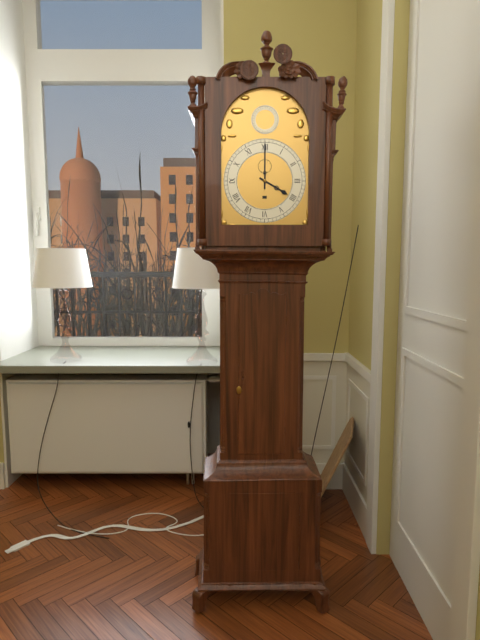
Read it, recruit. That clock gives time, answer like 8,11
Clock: 4,00
